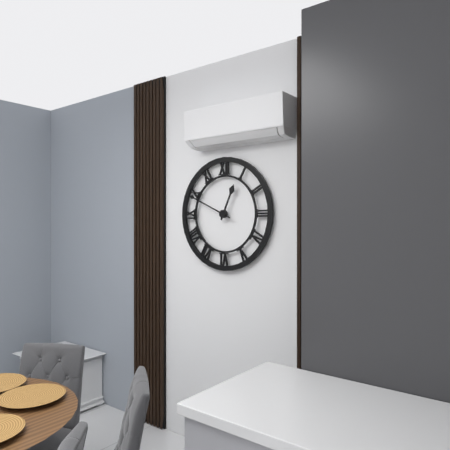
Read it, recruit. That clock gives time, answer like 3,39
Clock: 12,49
